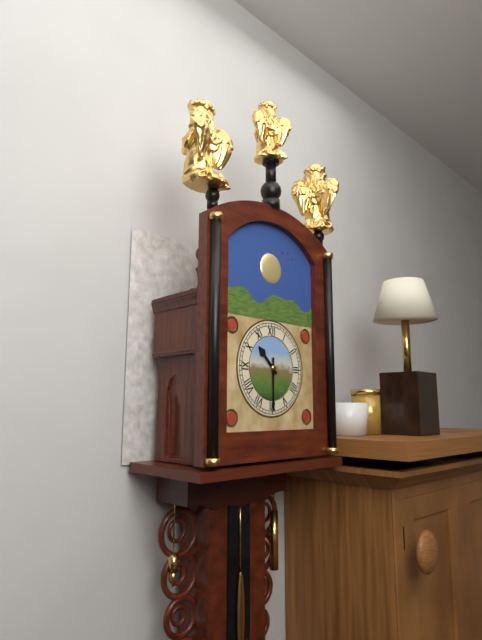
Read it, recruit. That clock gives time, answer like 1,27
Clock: 10,30
